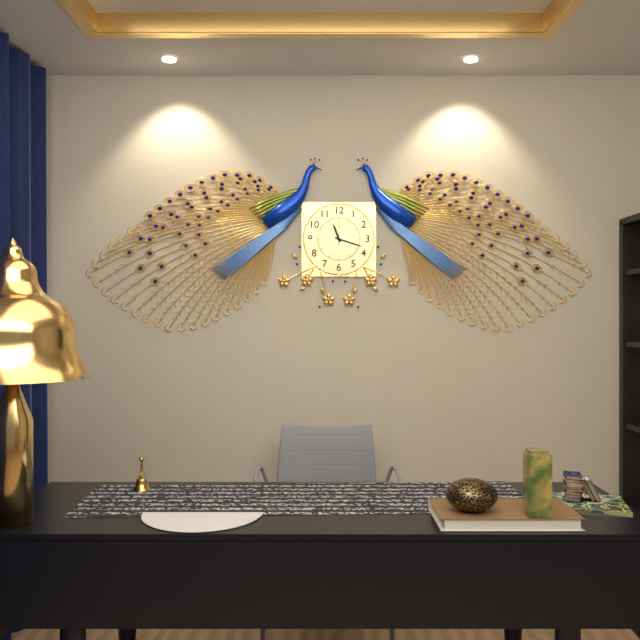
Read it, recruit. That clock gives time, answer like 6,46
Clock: 11,18
